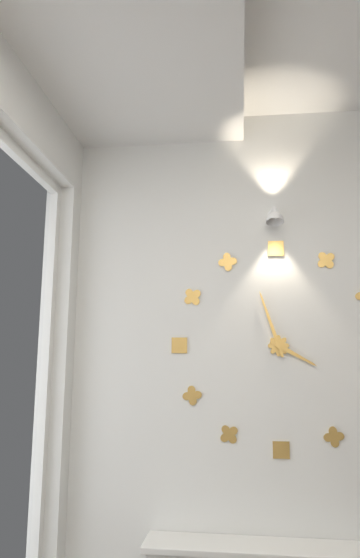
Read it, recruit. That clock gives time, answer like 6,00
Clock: 3,57
